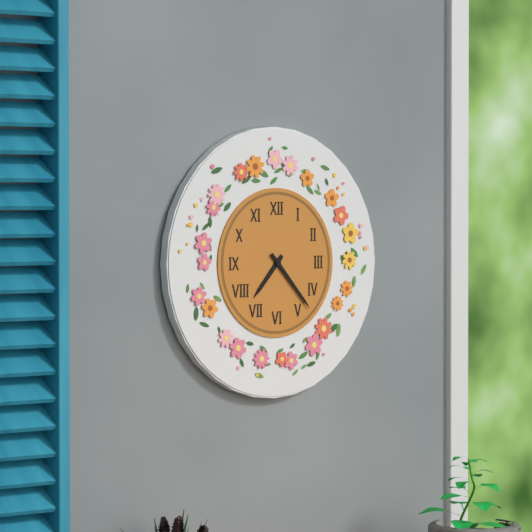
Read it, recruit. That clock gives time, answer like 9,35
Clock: 7,23
